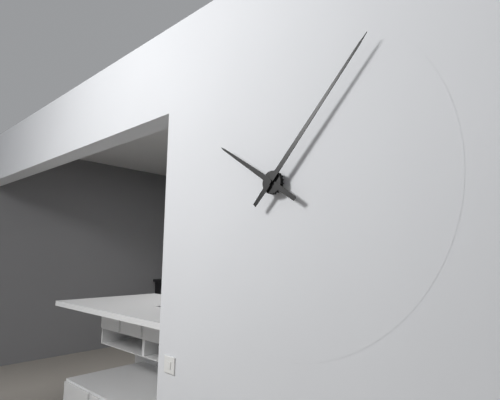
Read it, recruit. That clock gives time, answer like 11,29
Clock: 10,07
